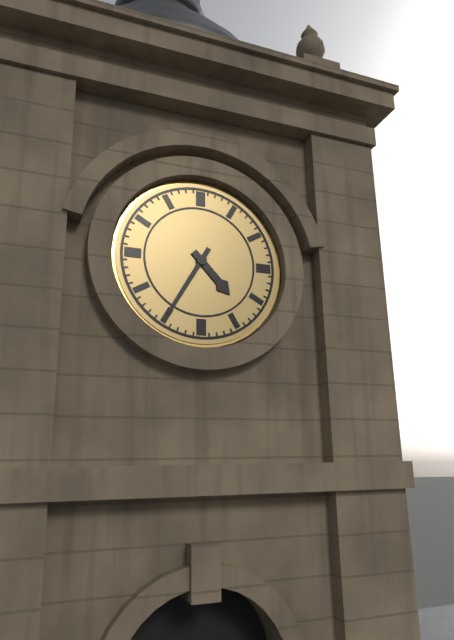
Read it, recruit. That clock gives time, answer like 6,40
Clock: 4,35
